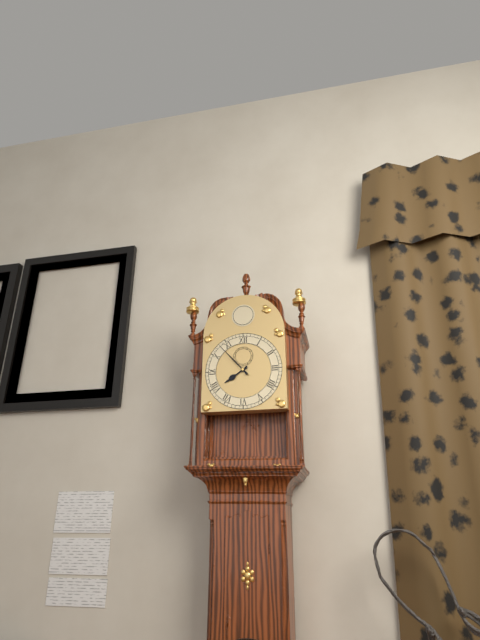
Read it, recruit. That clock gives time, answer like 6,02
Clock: 7,53
